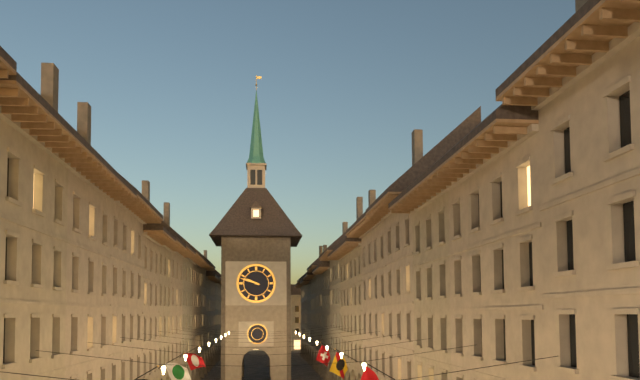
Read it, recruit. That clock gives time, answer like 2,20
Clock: 9,48
